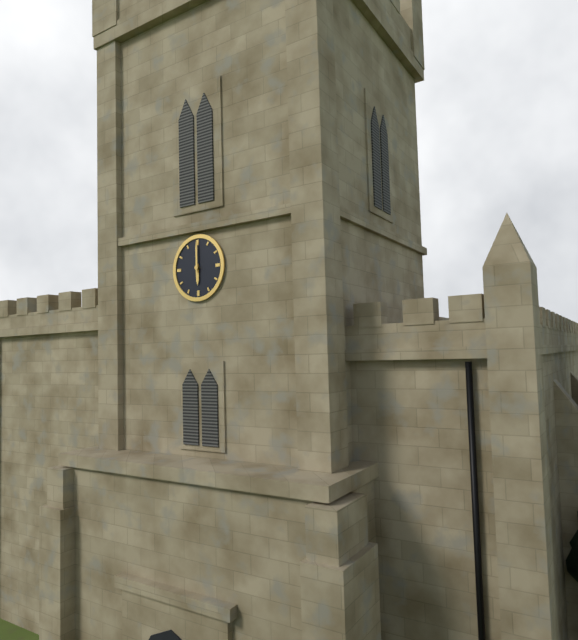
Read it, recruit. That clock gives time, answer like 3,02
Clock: 6,00
